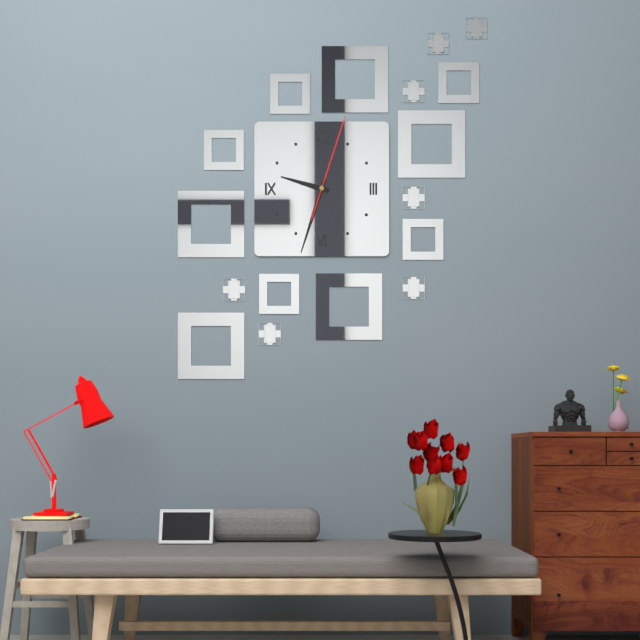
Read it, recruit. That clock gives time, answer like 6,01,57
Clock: 9,33,03
